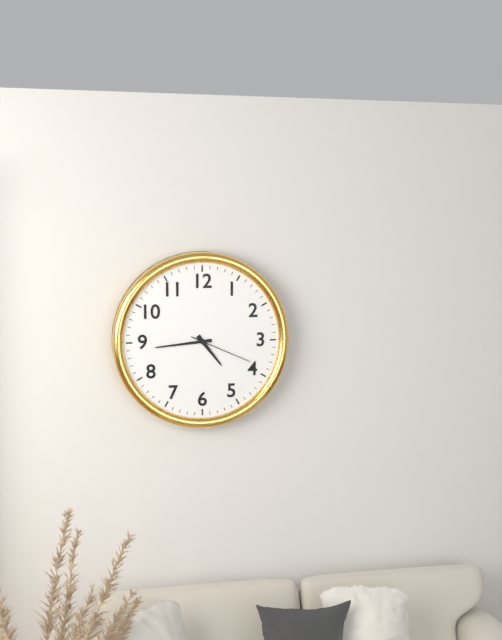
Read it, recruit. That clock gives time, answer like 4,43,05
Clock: 4,44,19
